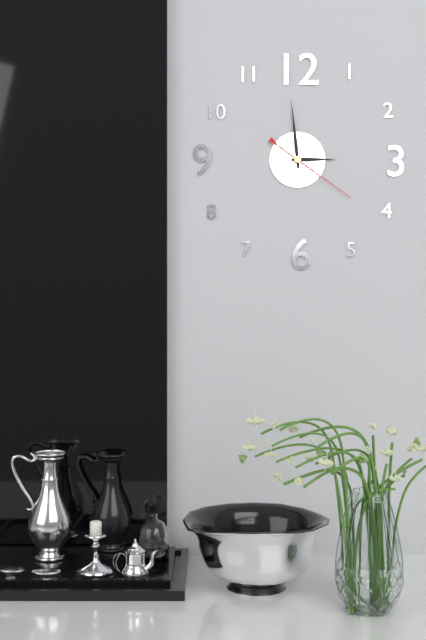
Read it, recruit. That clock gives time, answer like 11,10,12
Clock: 2,59,21
